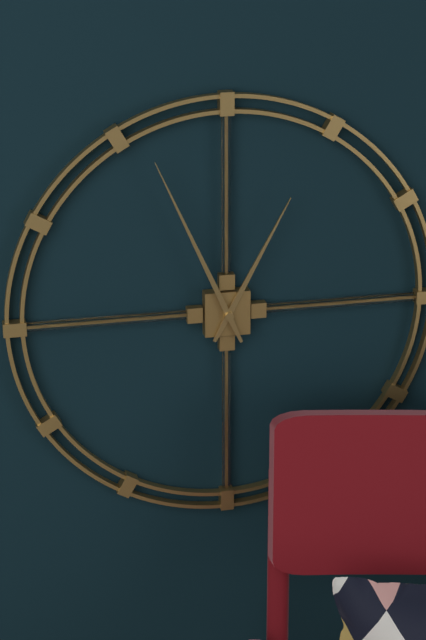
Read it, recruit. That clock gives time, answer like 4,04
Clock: 12,56
